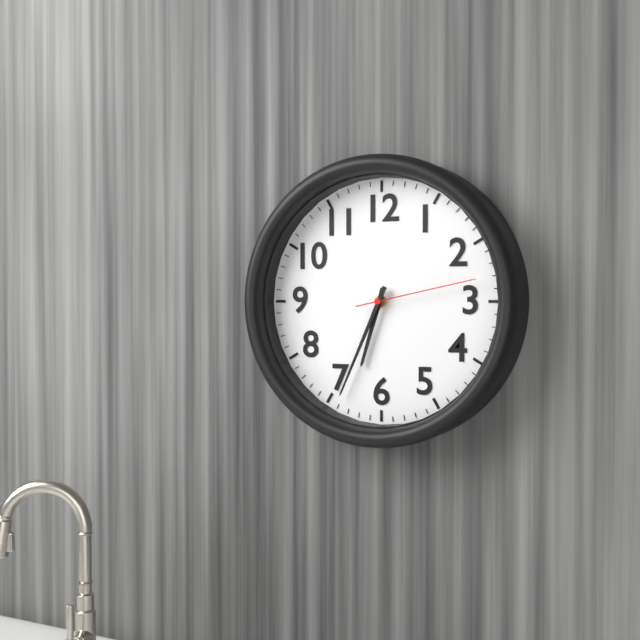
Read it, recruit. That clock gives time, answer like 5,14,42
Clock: 6,34,13
